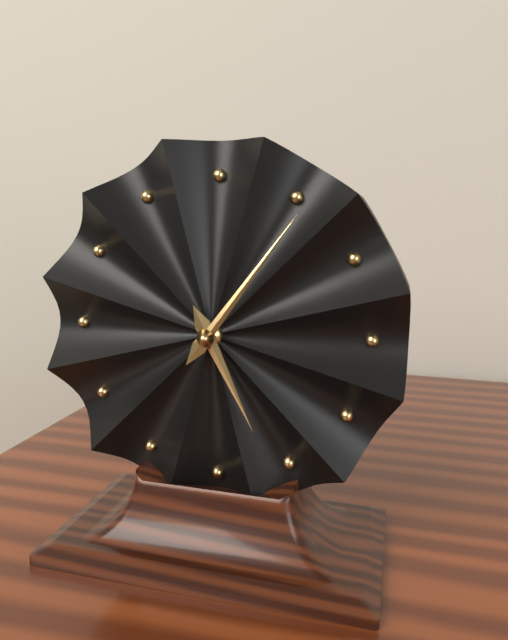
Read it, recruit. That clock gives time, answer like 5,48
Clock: 5,06
